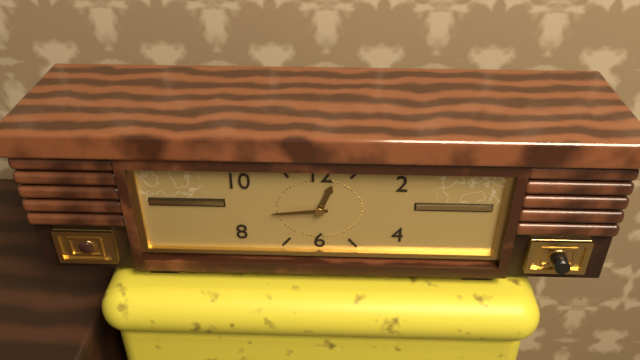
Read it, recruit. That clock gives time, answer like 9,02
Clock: 12,44
